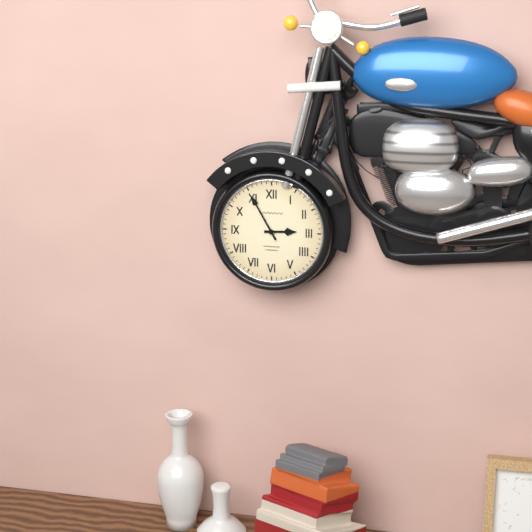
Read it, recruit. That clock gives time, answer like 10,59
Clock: 2,55
